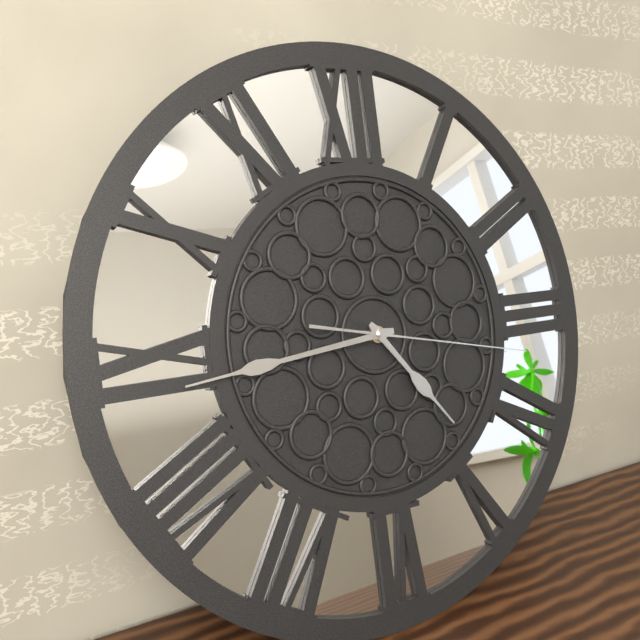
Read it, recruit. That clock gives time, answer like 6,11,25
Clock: 4,44,17
